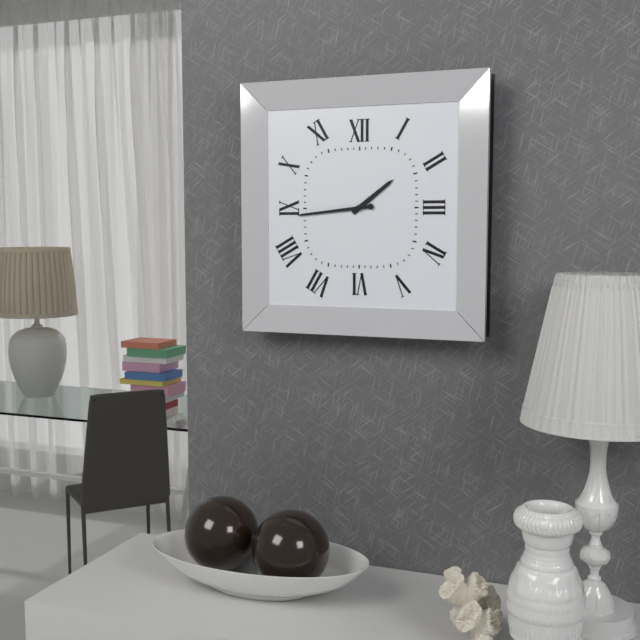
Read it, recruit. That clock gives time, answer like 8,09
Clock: 1,44
